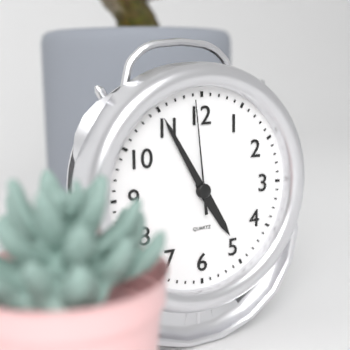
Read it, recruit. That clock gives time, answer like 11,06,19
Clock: 4,55,59
